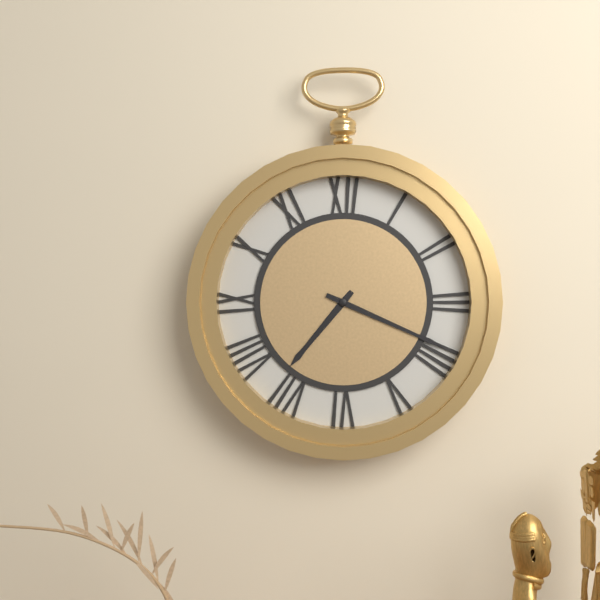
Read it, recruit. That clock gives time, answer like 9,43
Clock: 7,19
